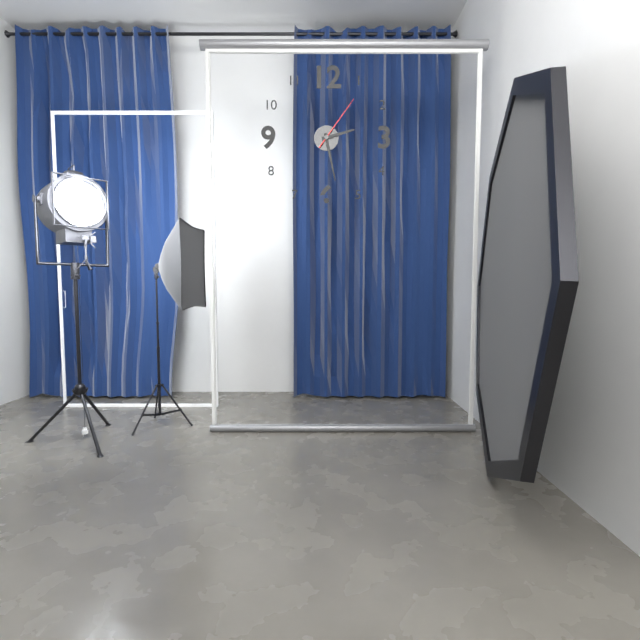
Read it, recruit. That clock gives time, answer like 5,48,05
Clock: 2,28,06
